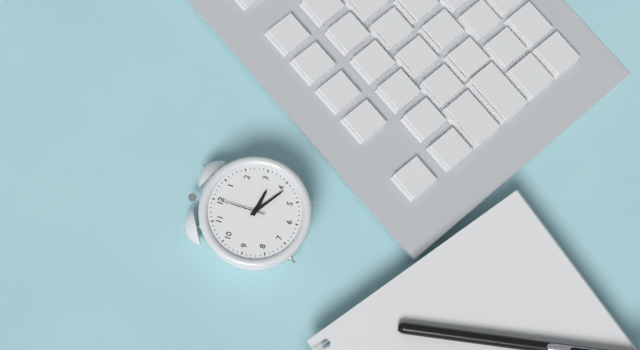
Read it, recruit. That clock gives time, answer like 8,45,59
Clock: 3,21,00
